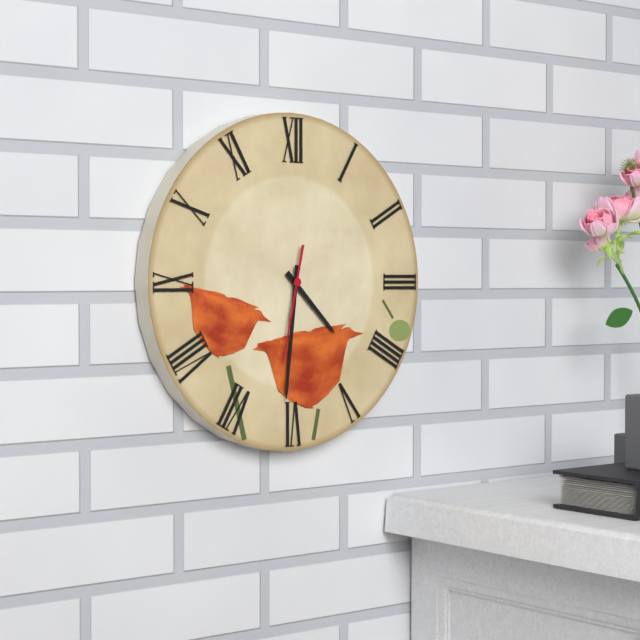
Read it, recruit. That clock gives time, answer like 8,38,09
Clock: 4,31,32
